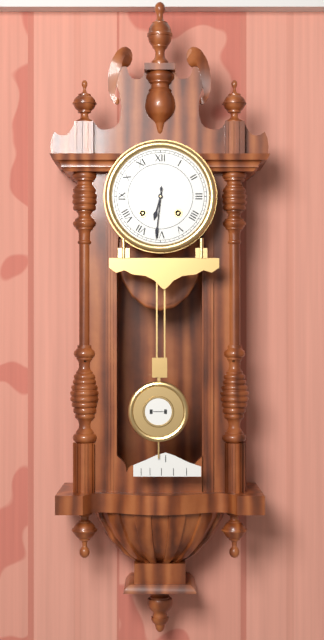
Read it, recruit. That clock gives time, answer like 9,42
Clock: 6,31
